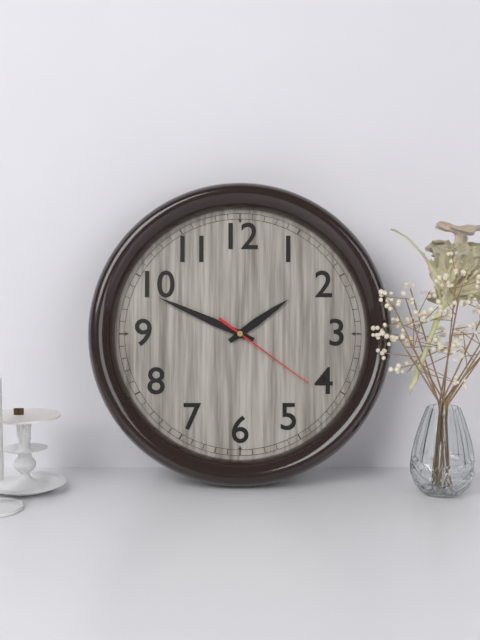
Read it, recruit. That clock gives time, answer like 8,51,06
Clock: 1,49,21
